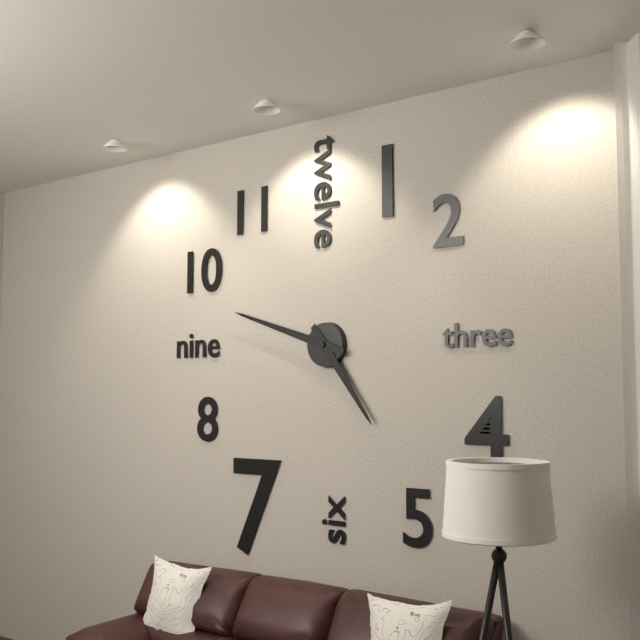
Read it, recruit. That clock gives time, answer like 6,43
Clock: 4,48
